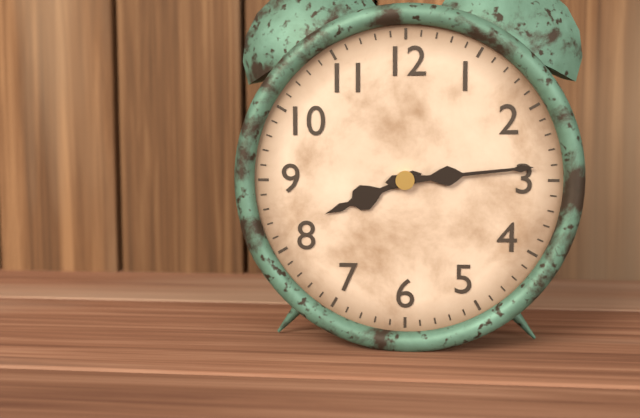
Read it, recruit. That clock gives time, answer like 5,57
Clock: 8,14
